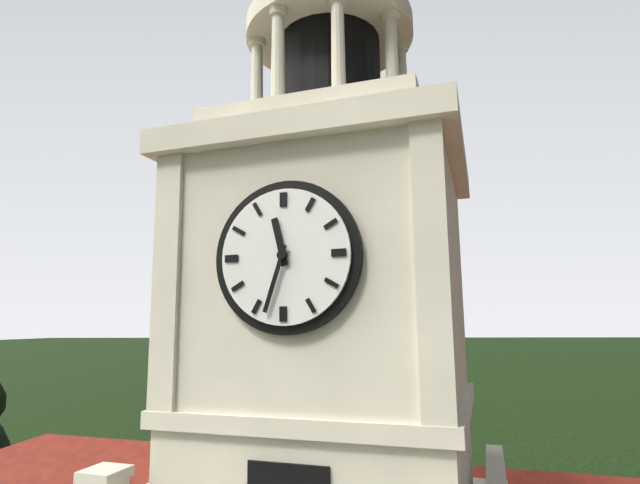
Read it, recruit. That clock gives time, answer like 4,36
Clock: 11,33
